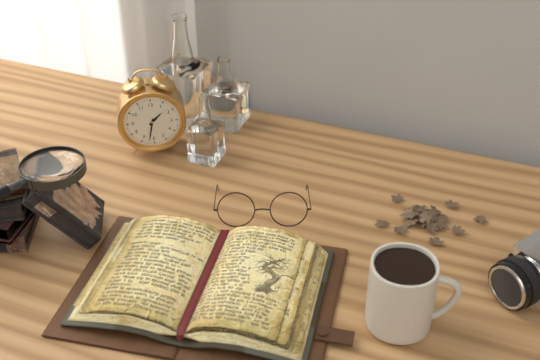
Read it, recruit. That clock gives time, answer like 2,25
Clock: 1,32
